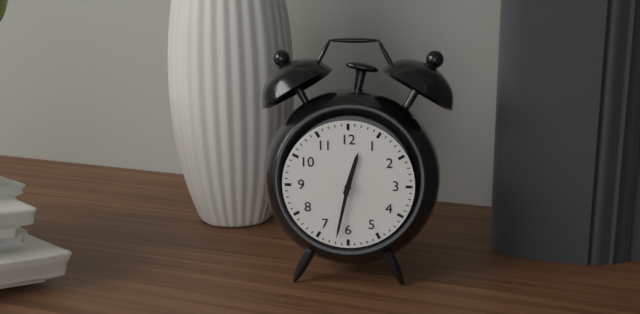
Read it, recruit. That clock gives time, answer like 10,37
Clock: 12,32
